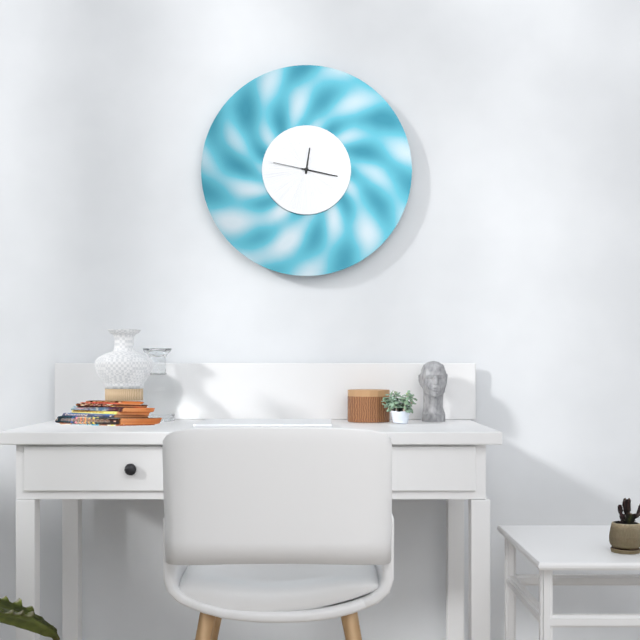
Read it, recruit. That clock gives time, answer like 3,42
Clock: 12,17
